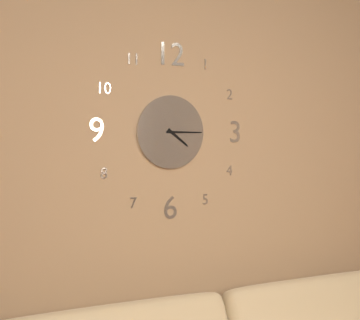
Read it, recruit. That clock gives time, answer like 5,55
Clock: 4,15
